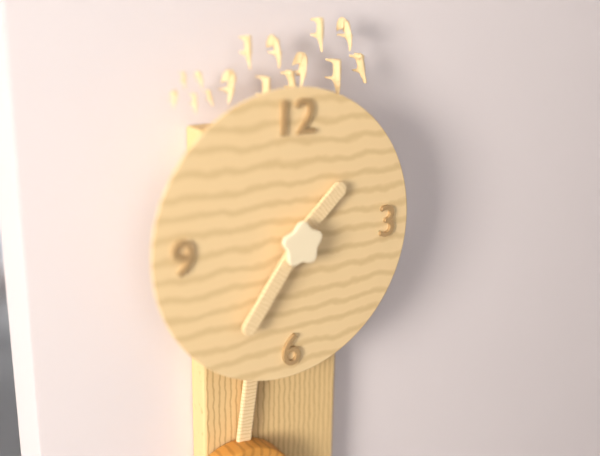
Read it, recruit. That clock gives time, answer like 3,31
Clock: 1,36
